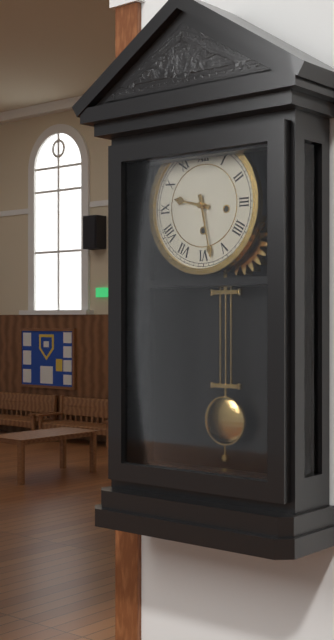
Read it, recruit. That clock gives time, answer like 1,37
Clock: 9,28
